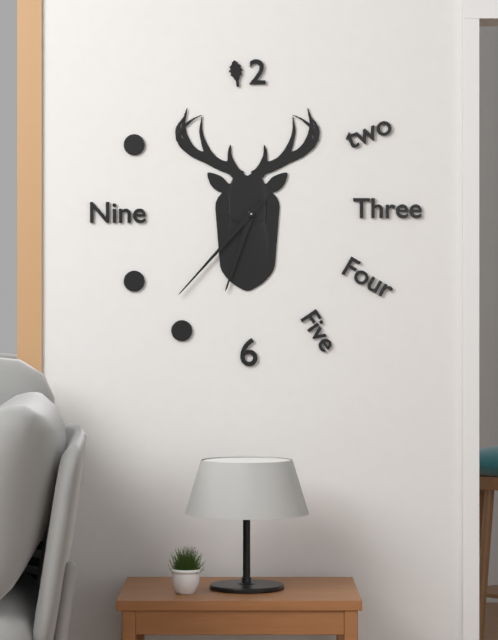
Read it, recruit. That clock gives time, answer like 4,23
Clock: 6,37
